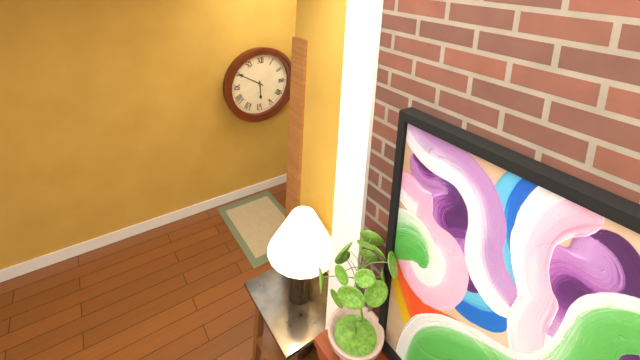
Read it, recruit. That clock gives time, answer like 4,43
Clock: 5,50
